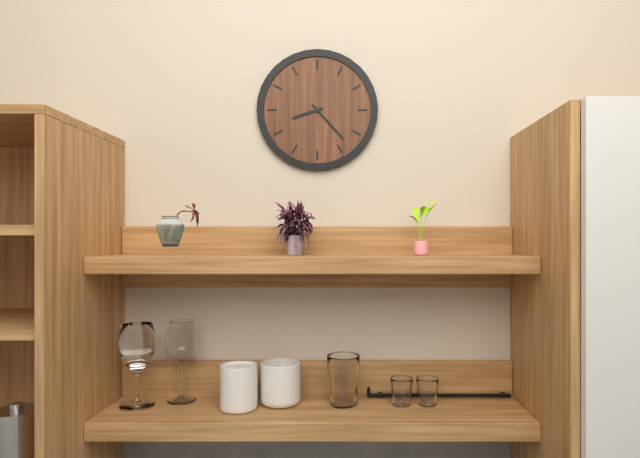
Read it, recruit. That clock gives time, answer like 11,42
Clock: 8,23
